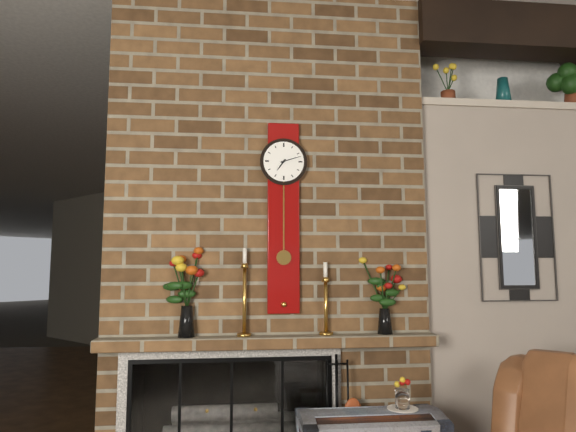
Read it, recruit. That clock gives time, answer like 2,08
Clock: 7,12
